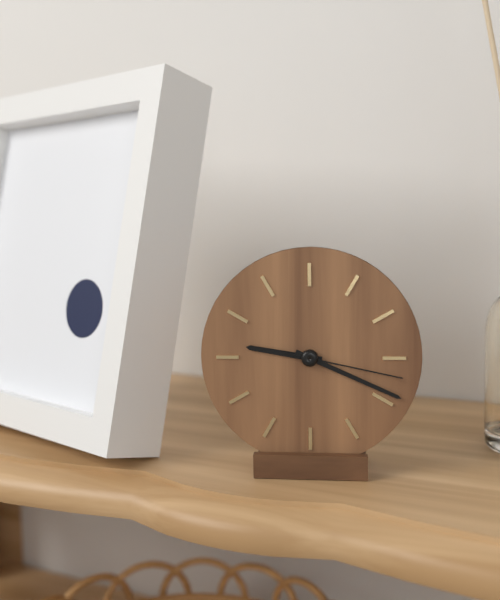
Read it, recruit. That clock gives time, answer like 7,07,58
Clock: 9,19,17
